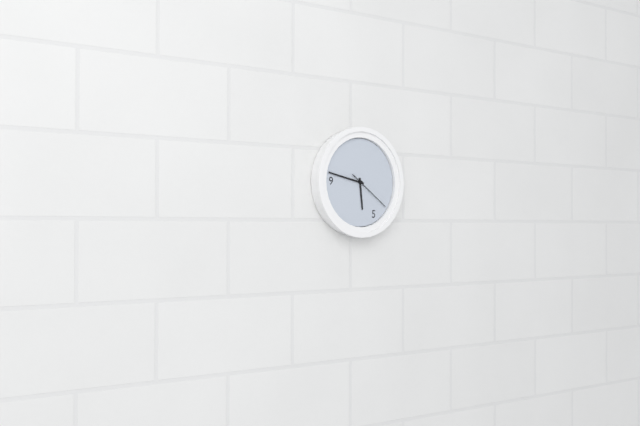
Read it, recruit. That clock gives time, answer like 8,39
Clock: 5,47
